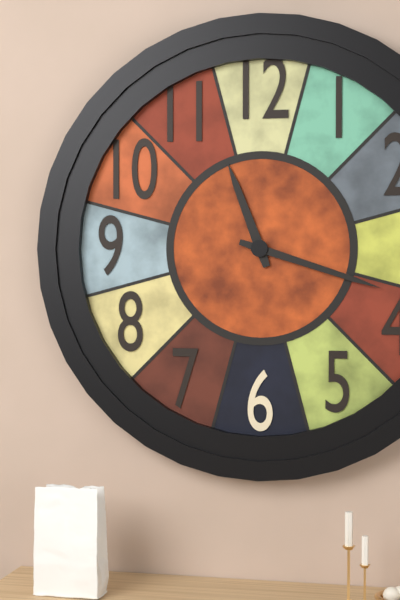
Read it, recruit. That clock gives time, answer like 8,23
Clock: 11,18
